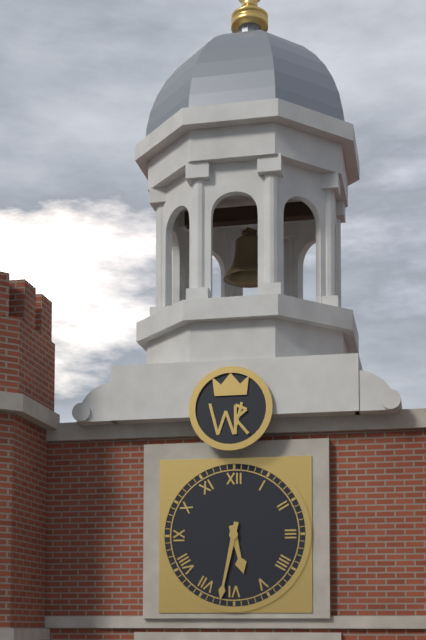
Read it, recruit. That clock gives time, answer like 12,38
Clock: 5,32
